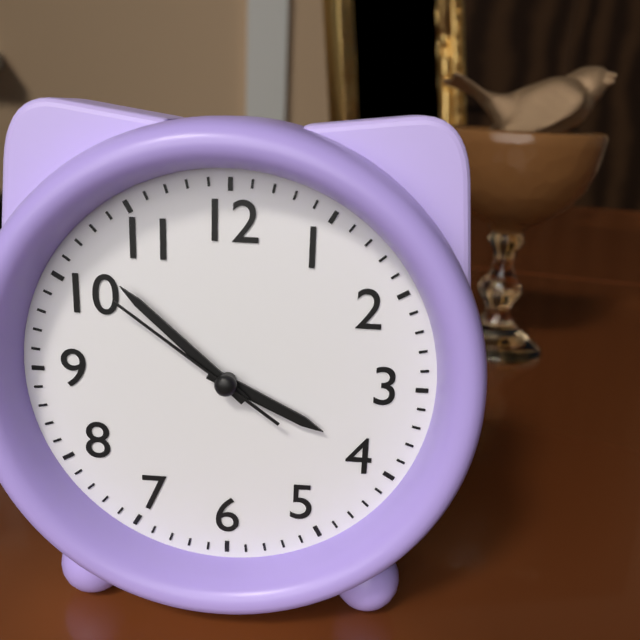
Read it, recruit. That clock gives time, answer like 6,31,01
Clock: 3,52,51
